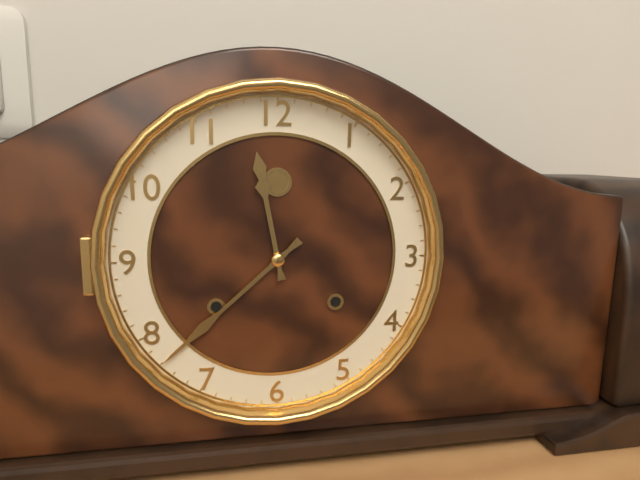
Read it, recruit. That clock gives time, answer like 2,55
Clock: 11,38
